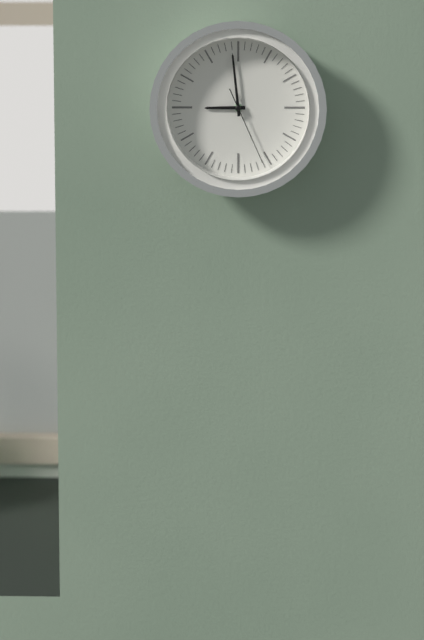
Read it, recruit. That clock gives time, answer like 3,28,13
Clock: 8,59,26
